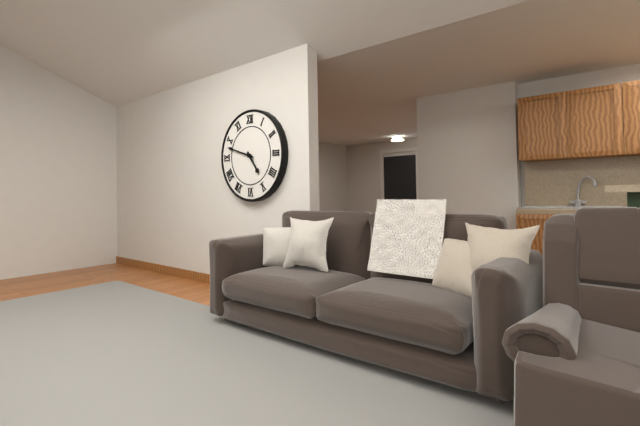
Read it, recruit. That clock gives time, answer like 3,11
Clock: 4,48
